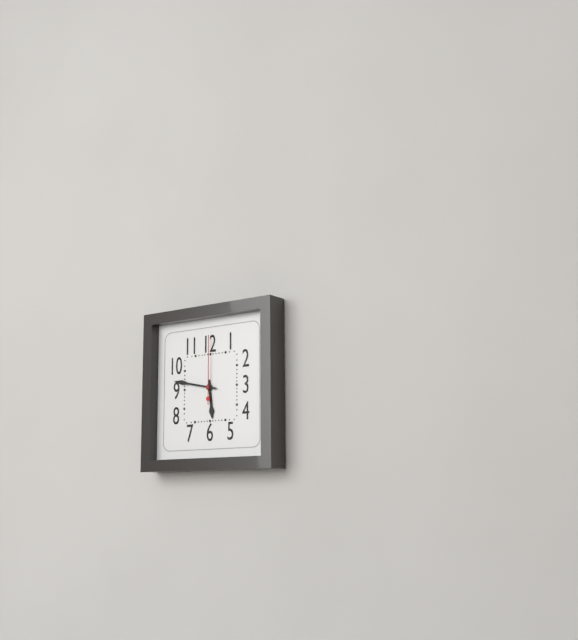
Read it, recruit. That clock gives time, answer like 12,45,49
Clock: 5,47,00
